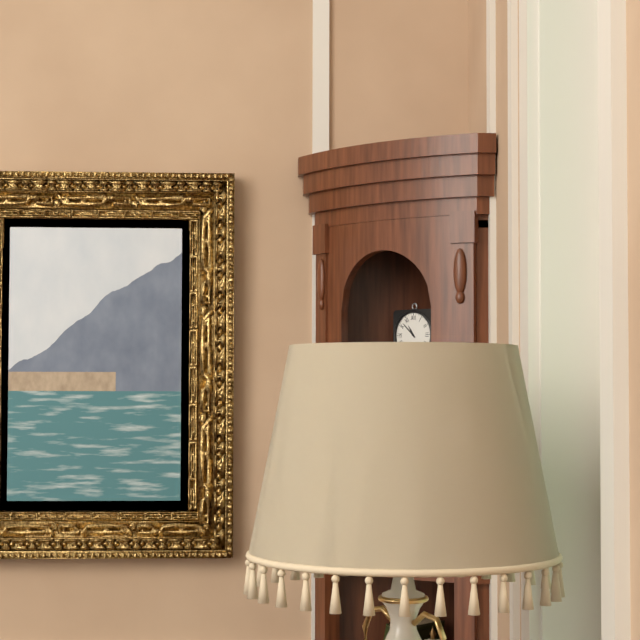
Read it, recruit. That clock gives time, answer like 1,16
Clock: 10,52
